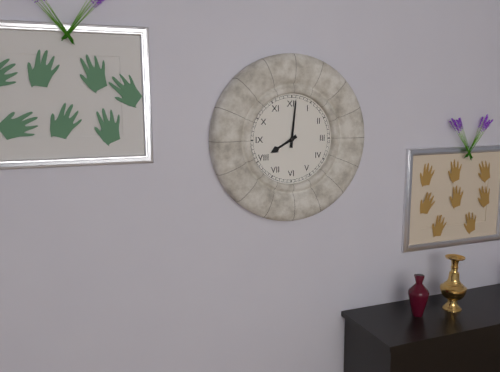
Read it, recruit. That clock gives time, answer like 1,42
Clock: 8,01
